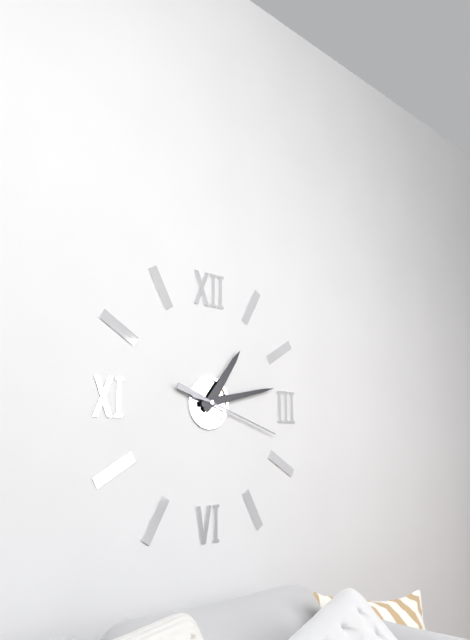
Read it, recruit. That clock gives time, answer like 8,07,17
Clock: 1,13,18
